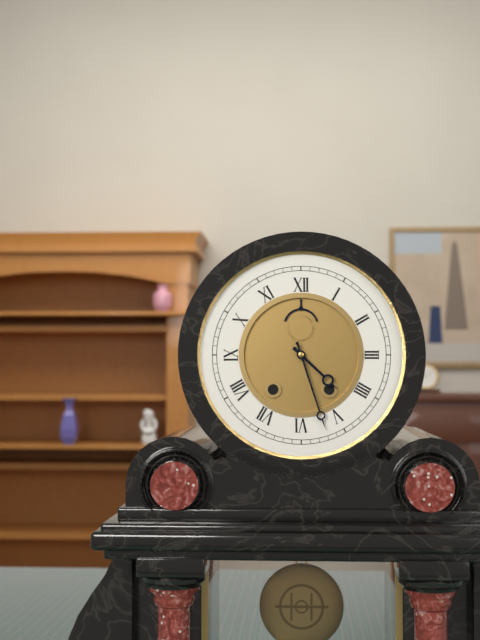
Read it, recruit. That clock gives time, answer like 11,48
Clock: 4,27
